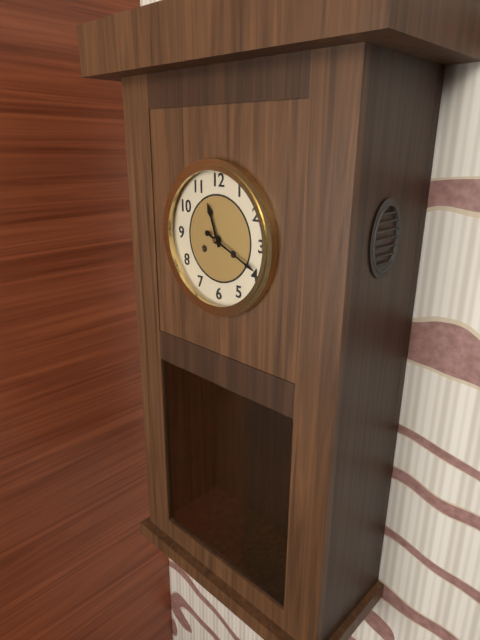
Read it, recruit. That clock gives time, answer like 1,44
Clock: 11,19
